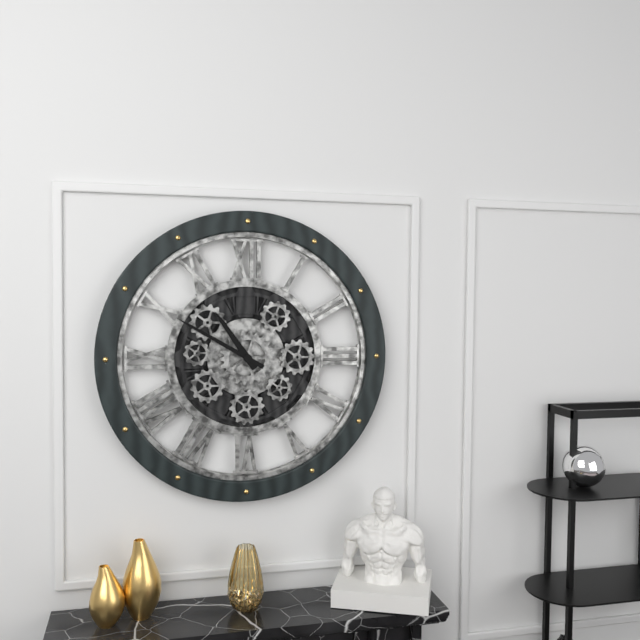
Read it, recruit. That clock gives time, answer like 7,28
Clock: 10,50
